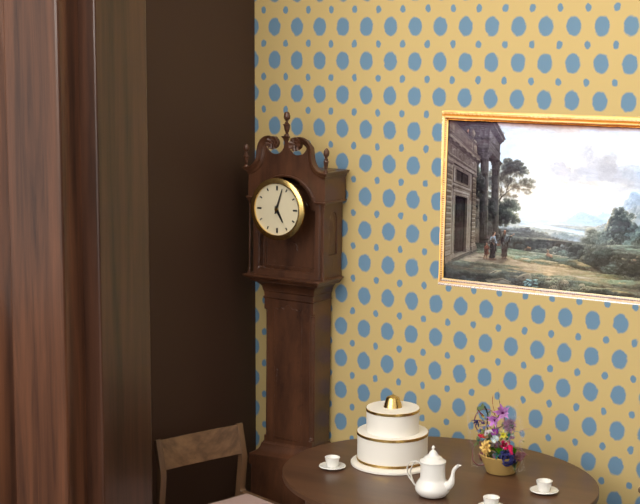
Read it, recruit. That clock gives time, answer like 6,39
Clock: 5,03
